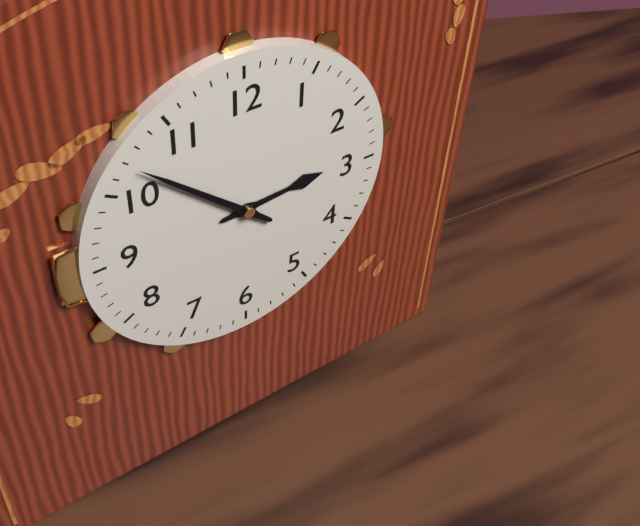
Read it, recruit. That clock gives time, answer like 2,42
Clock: 2,52
